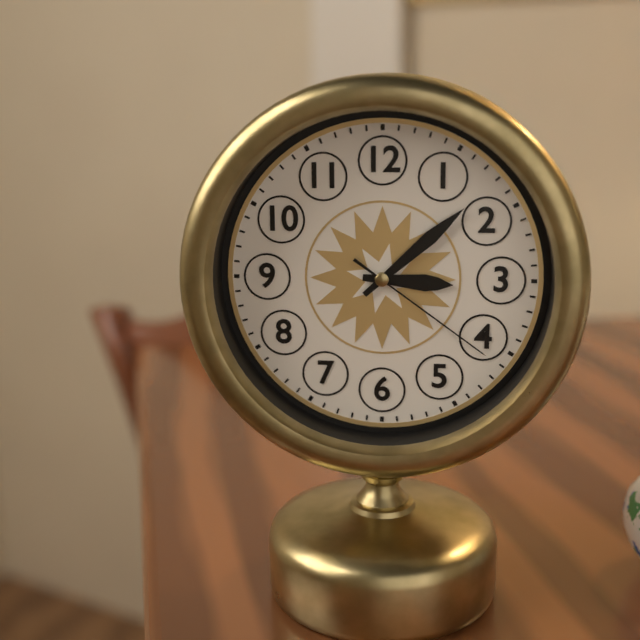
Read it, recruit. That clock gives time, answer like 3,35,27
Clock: 3,08,21
